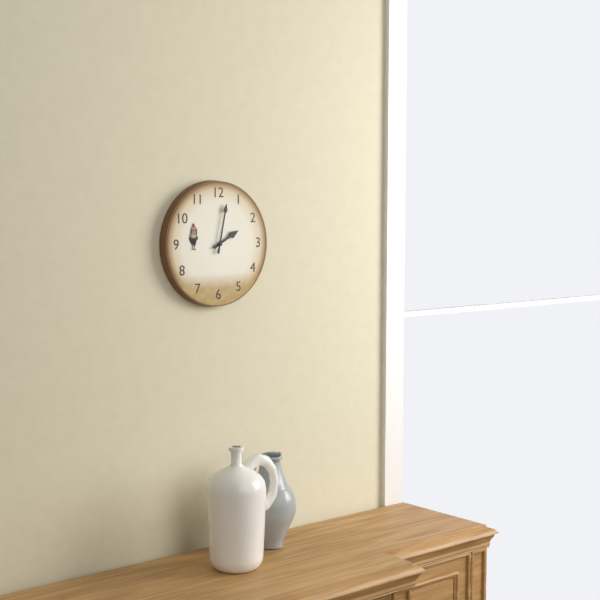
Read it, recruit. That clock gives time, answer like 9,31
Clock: 2,02
